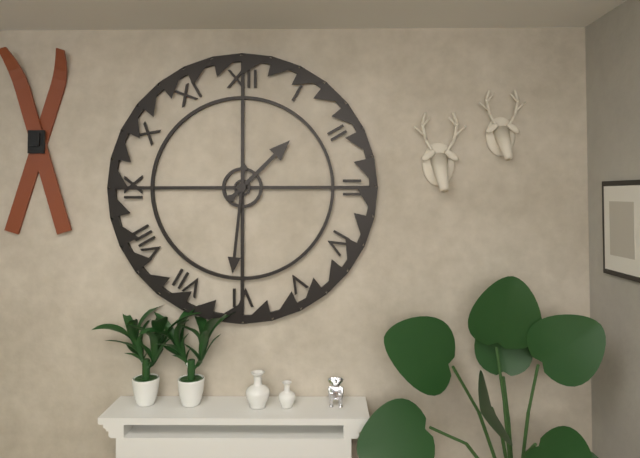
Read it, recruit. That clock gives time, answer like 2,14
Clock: 1,31
